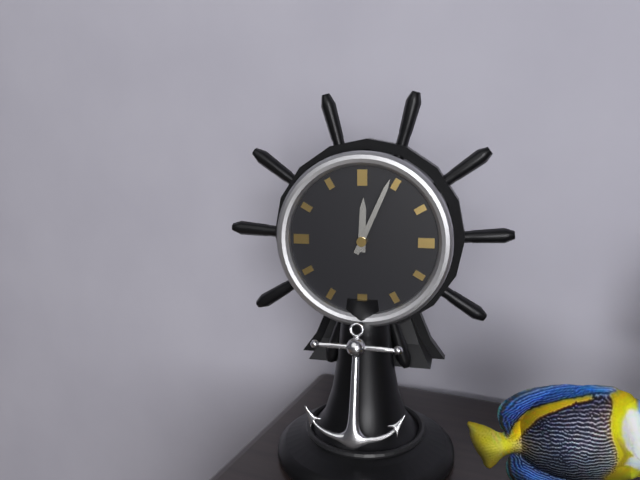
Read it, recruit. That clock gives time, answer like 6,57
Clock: 12,04
